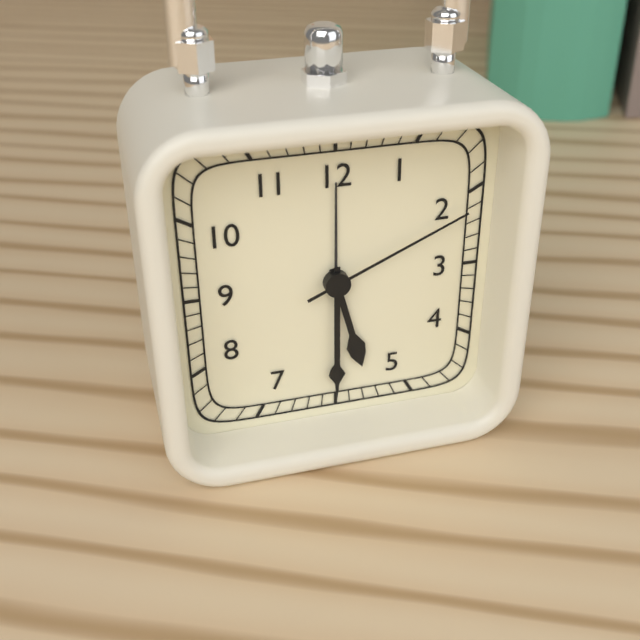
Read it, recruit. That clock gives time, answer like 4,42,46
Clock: 5,30,11
